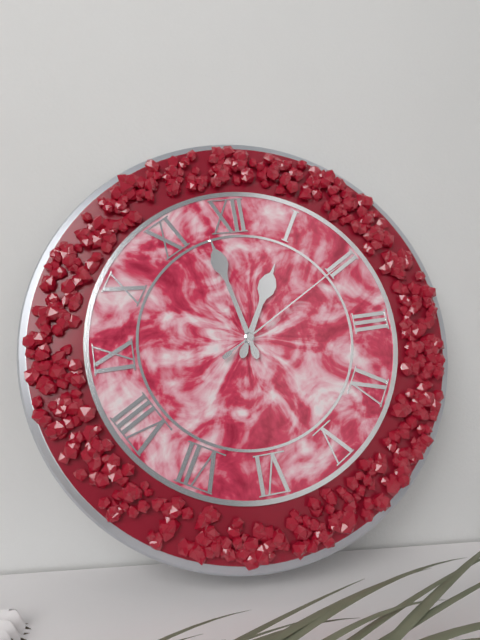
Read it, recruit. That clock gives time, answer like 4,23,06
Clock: 12,58,10
